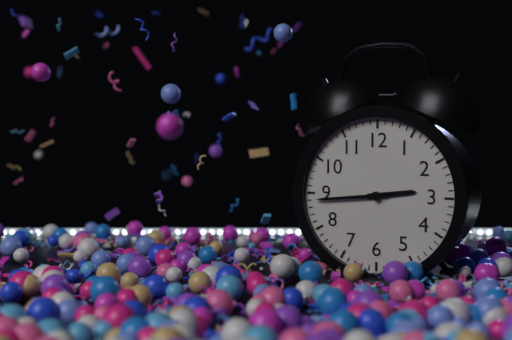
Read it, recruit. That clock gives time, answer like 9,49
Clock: 2,44
